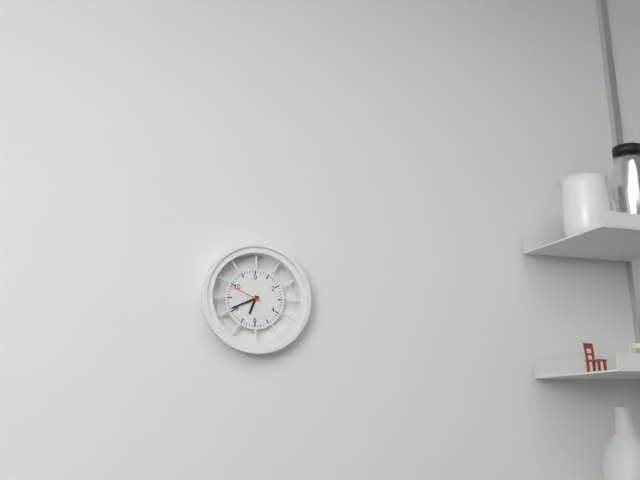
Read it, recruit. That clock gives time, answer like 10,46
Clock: 6,41
